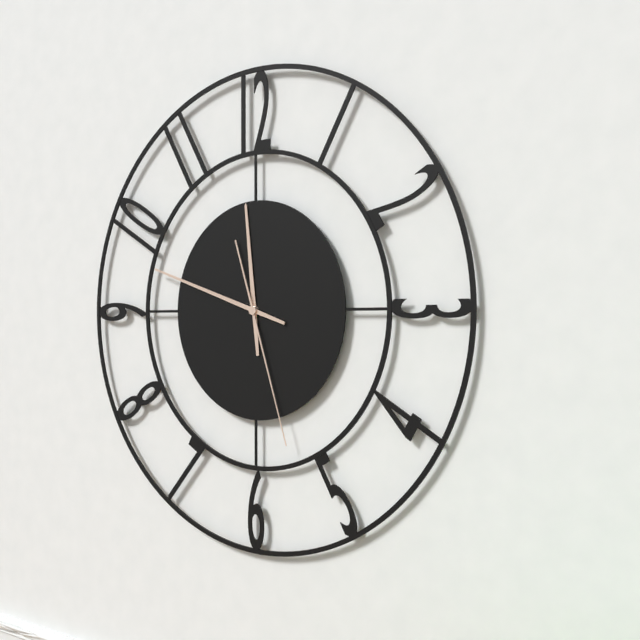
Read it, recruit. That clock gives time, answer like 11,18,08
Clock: 11,48,27
